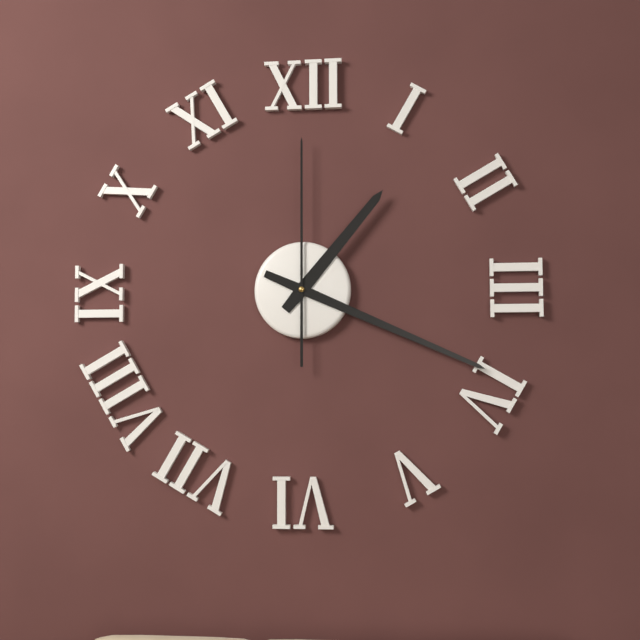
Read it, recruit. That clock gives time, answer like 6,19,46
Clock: 1,19,00
